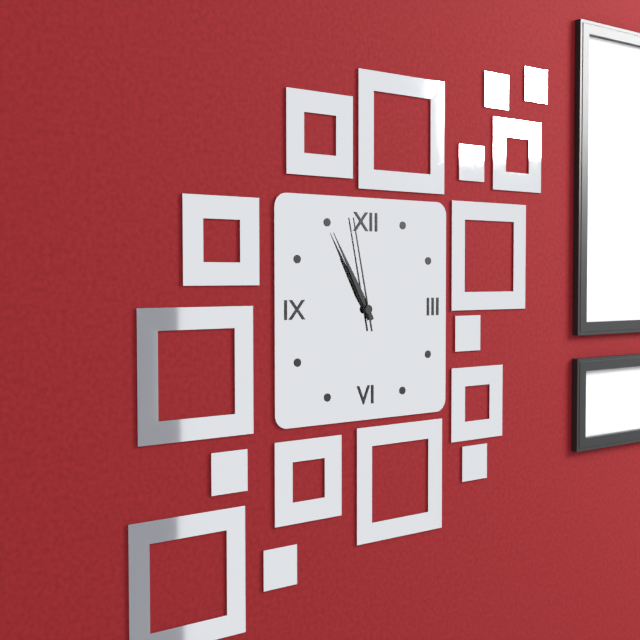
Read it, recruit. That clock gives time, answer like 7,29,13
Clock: 10,55,58
